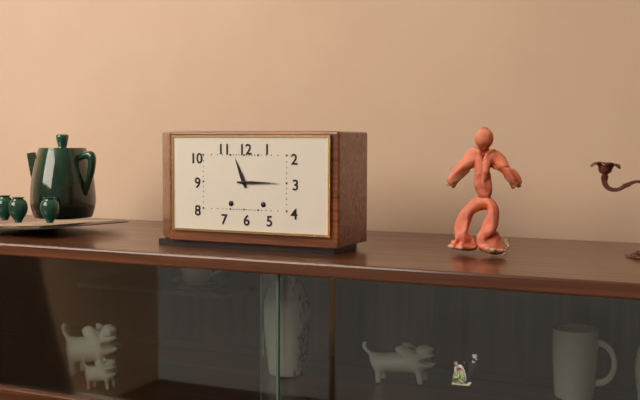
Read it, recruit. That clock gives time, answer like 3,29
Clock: 11,15
